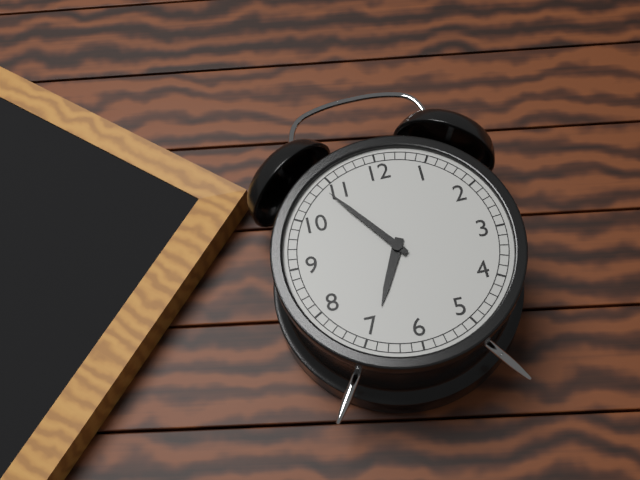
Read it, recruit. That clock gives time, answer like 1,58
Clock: 6,54
